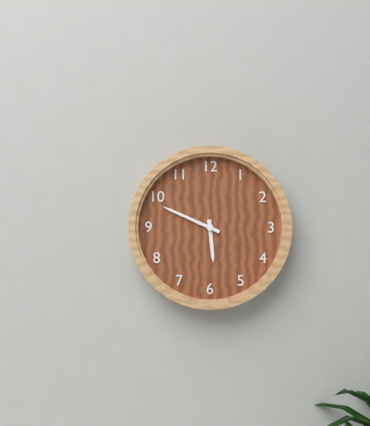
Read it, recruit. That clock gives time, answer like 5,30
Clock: 5,49
